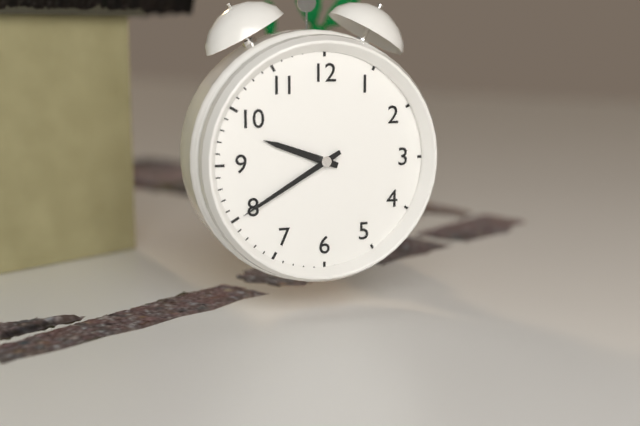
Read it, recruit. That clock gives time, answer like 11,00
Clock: 9,40
